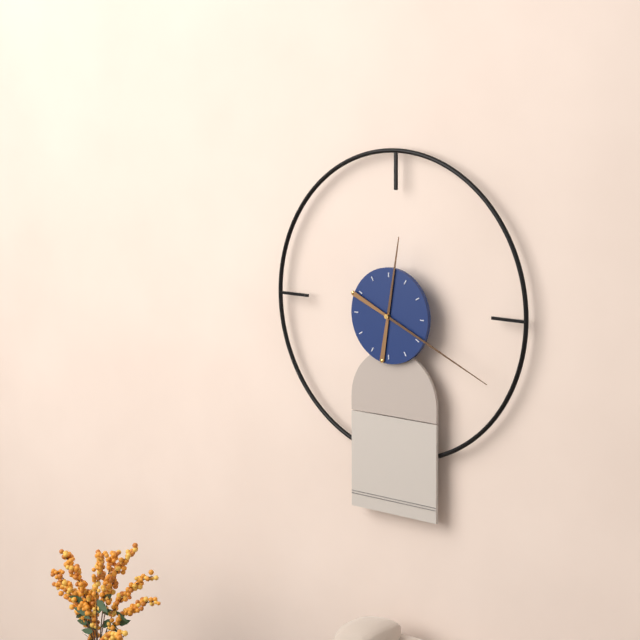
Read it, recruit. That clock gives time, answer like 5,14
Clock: 12,19
